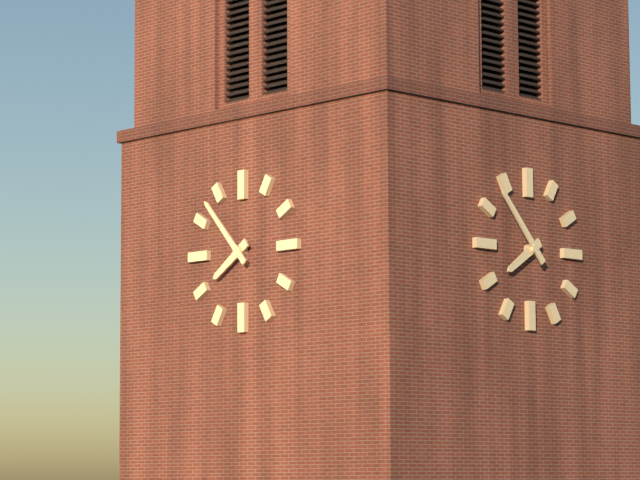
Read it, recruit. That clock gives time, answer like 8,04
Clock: 7,53
